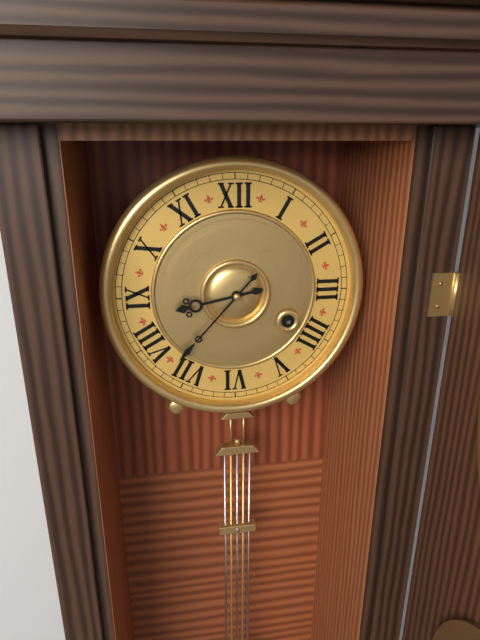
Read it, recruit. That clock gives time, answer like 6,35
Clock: 8,37
